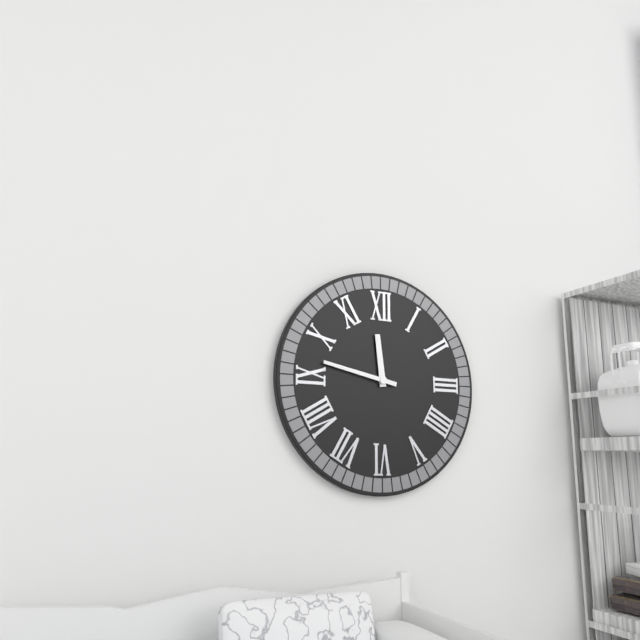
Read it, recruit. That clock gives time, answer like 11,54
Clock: 11,47
